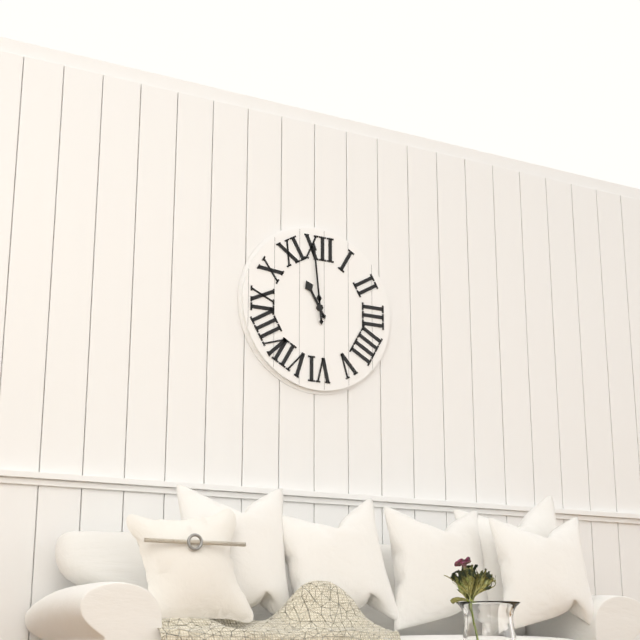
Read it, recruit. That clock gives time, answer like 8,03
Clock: 10,59
